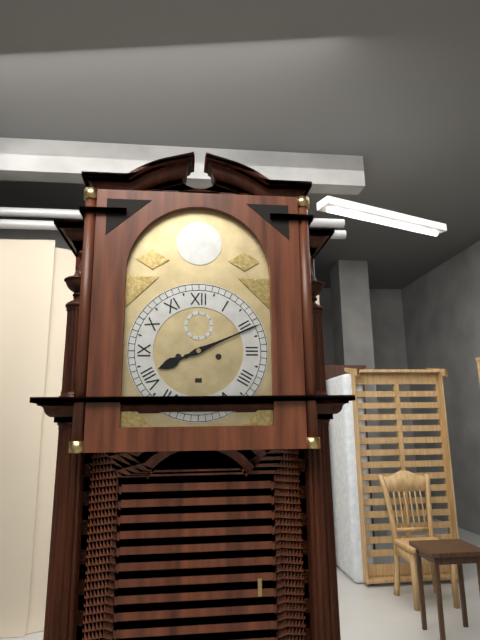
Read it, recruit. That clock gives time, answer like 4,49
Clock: 8,11
